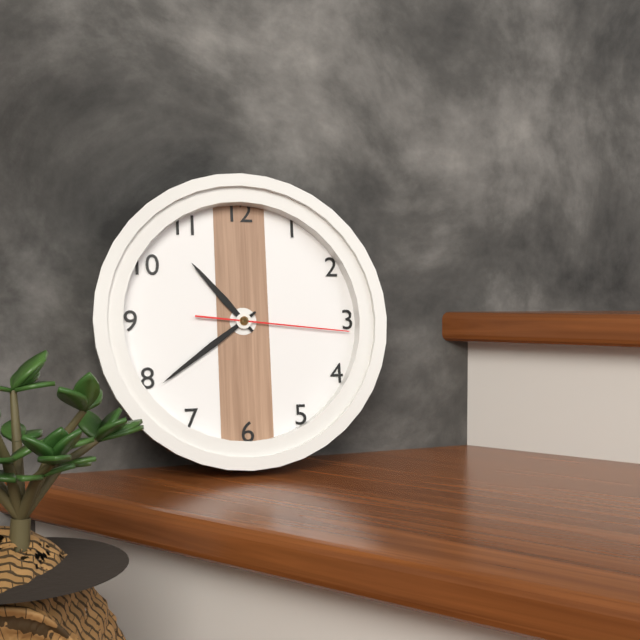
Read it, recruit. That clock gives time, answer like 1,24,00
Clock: 10,39,16
